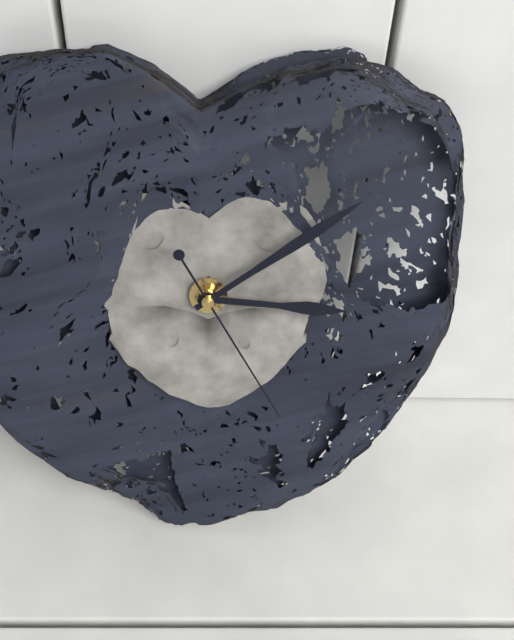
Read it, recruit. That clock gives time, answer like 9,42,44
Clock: 3,09,25
